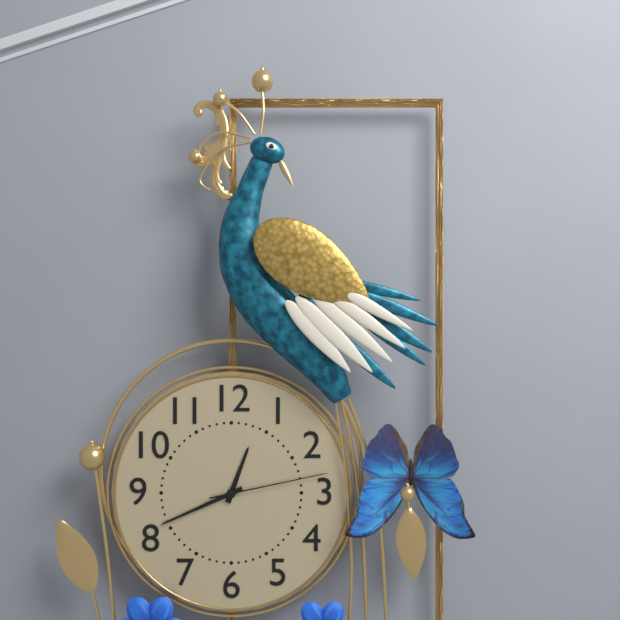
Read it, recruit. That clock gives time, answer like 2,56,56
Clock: 12,41,13
